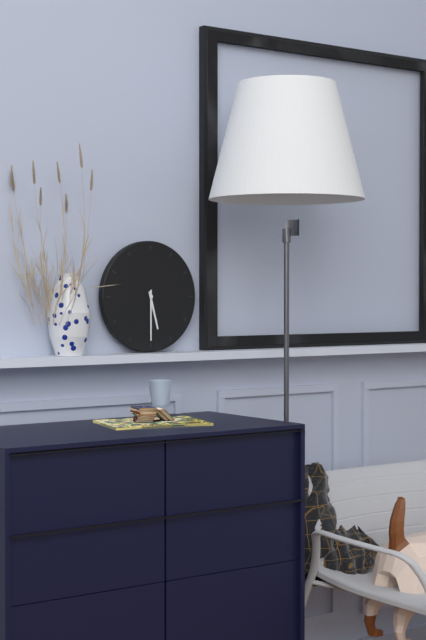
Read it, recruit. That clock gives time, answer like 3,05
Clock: 5,30
